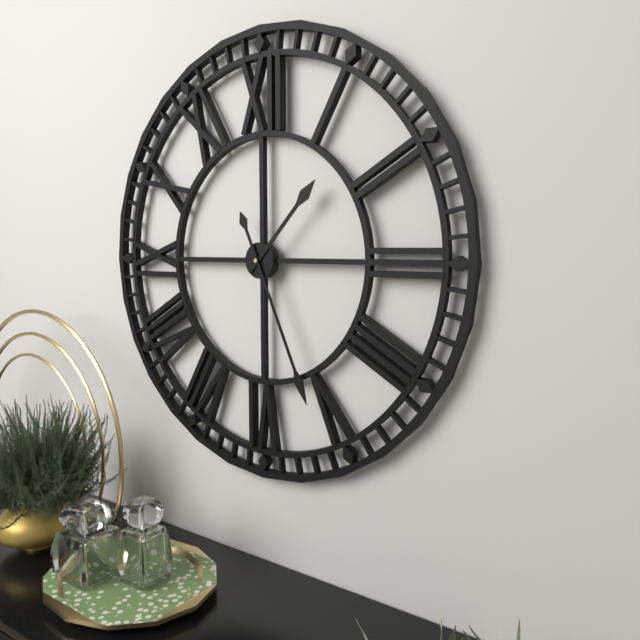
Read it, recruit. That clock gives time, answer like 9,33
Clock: 1,26
